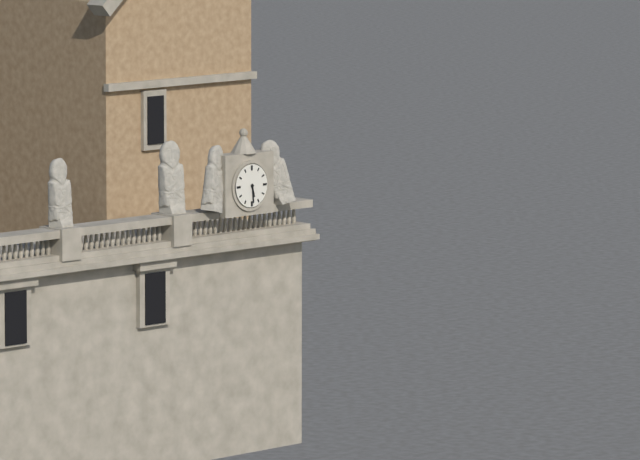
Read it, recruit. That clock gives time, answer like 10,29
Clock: 5,29
